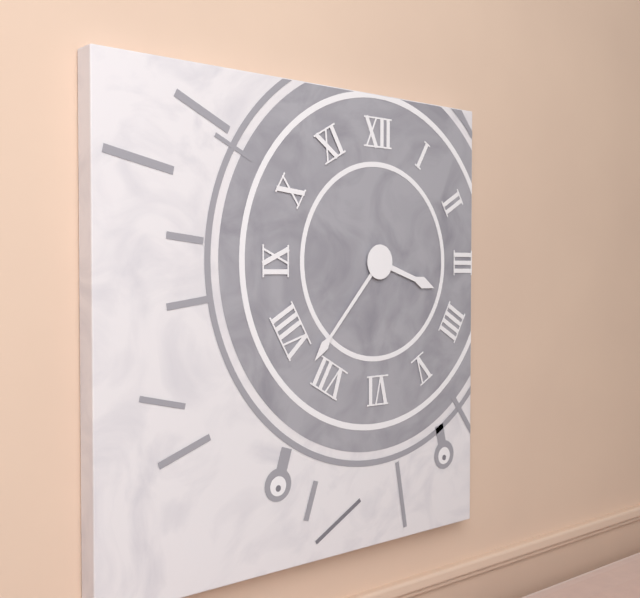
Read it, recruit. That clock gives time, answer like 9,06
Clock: 3,37
